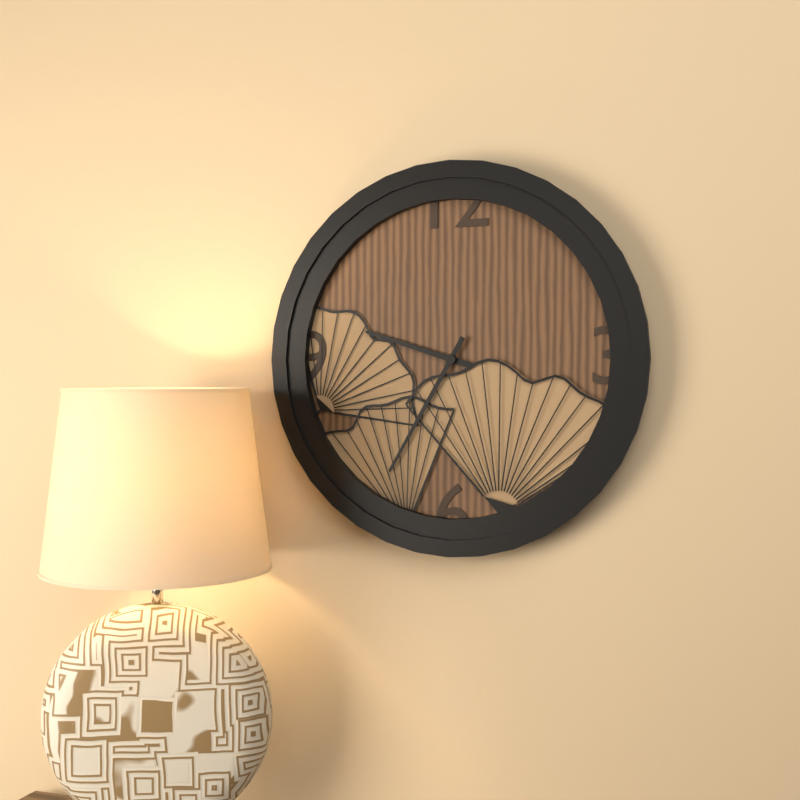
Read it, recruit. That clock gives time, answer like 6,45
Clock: 9,35
